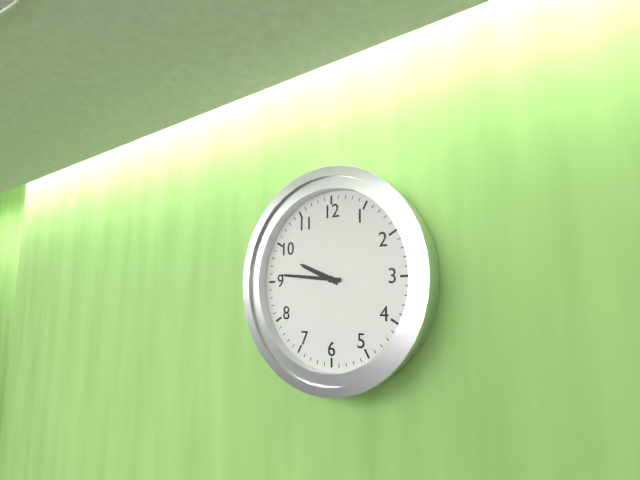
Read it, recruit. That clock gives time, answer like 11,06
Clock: 9,46
